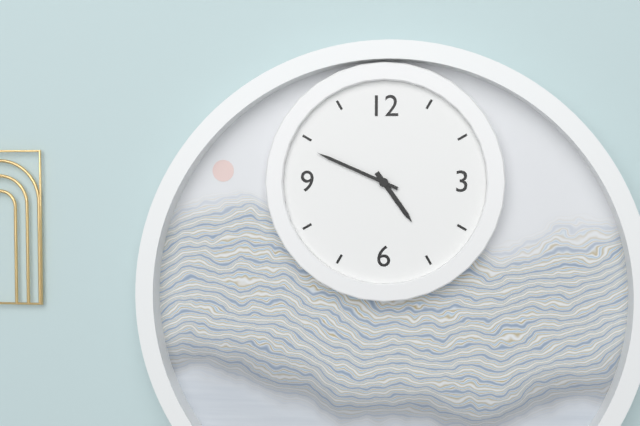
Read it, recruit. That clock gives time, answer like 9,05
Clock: 4,49
